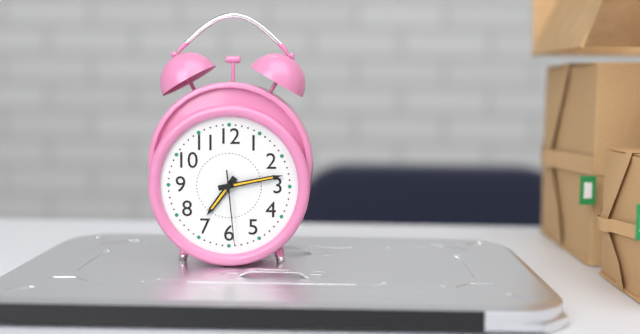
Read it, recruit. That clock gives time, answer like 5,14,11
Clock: 7,13,29
